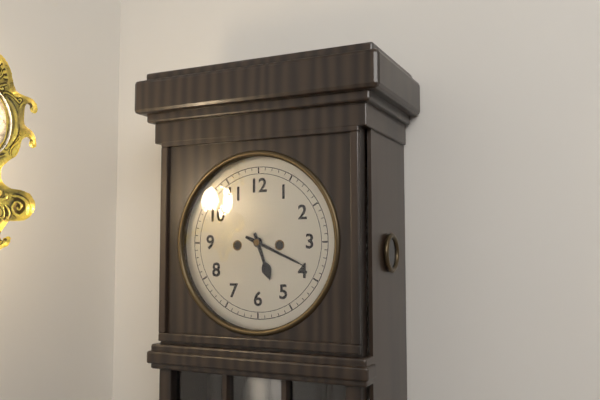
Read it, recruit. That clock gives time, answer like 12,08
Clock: 5,19
